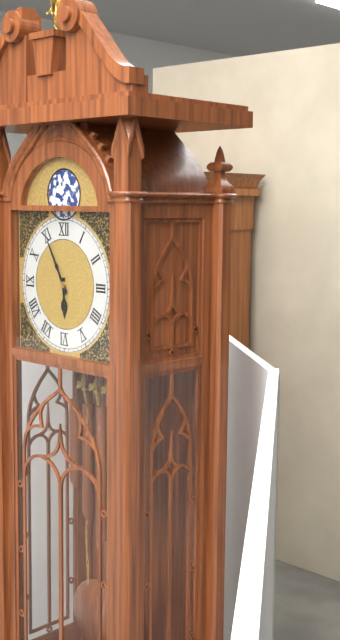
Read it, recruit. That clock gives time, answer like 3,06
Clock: 5,55
